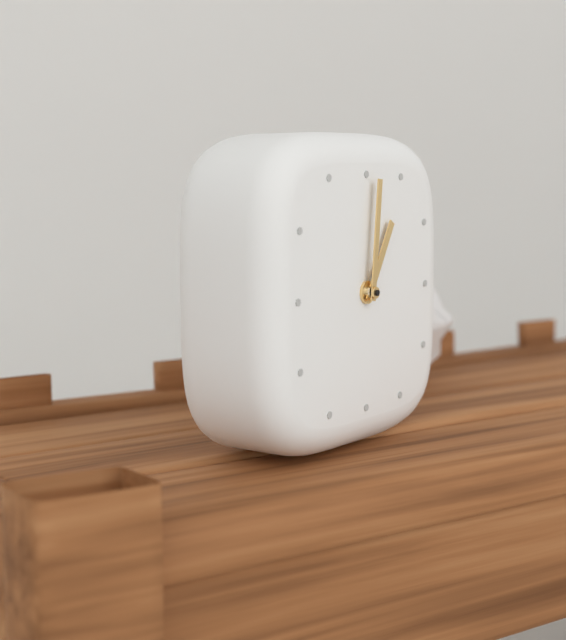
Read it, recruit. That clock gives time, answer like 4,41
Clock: 1,01
